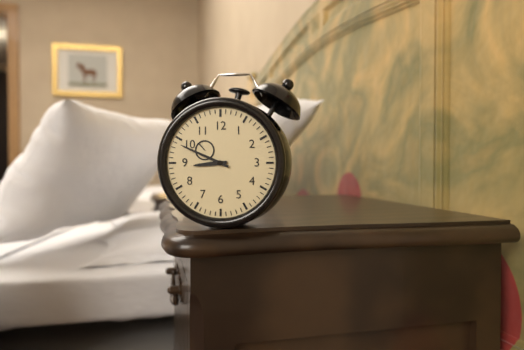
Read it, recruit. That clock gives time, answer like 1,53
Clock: 8,49
